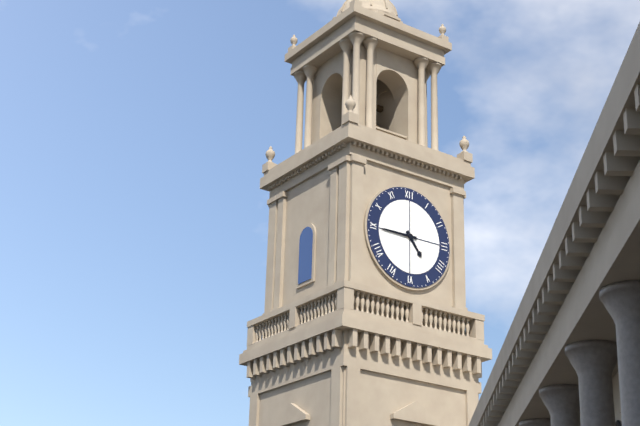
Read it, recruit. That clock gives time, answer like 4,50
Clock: 4,45
